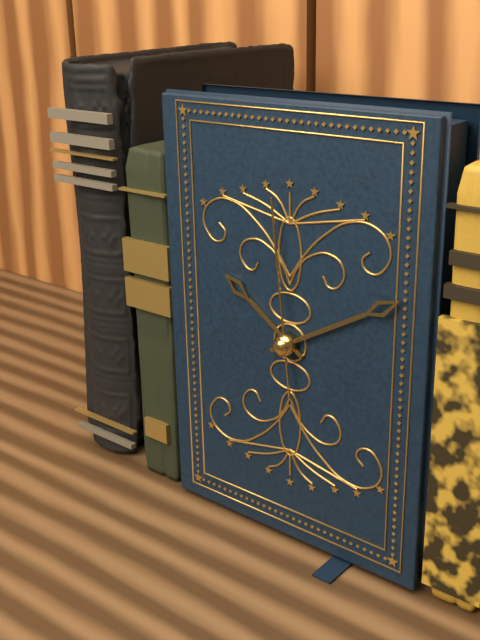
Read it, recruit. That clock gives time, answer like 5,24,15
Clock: 10,10,59
